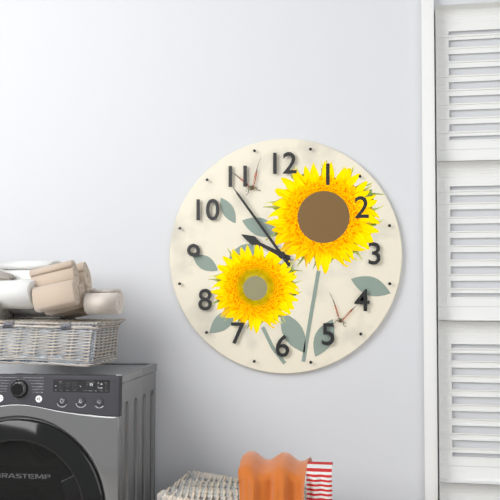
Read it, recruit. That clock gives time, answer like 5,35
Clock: 9,54
